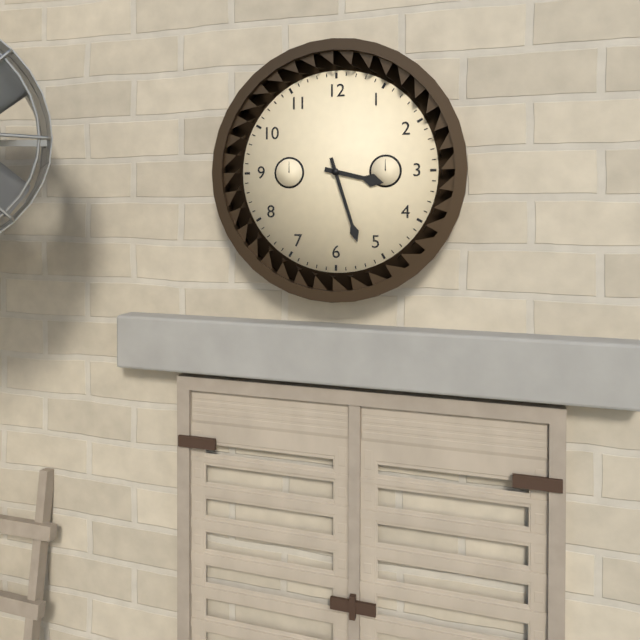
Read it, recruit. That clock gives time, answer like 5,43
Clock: 3,27
